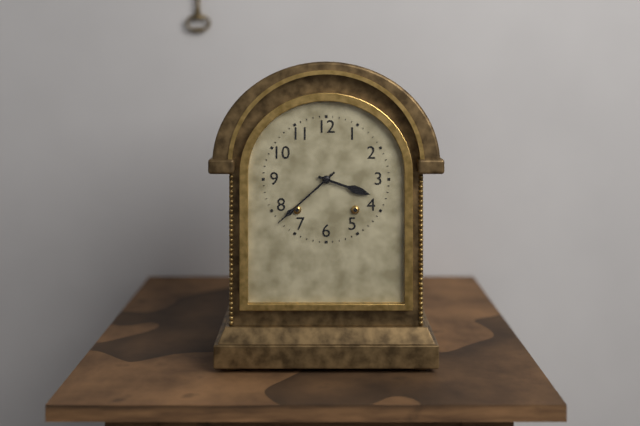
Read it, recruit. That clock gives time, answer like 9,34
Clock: 3,38
